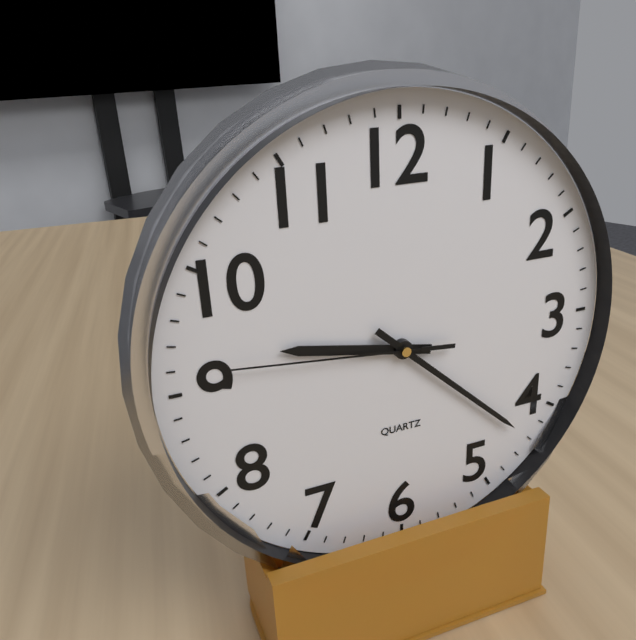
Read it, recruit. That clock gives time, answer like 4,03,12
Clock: 9,22,46
